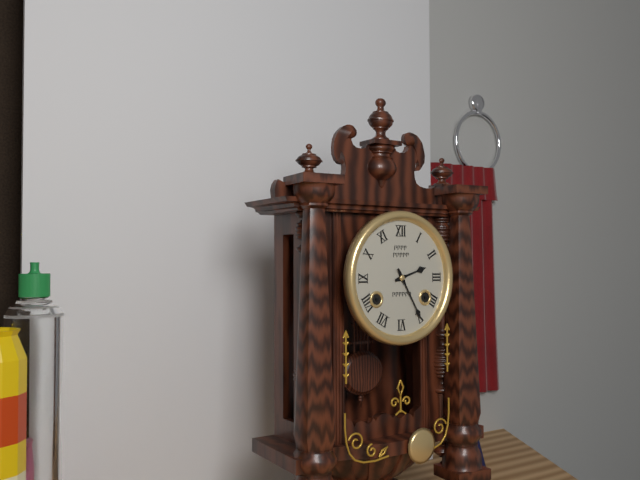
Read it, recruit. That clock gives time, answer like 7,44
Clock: 2,25
